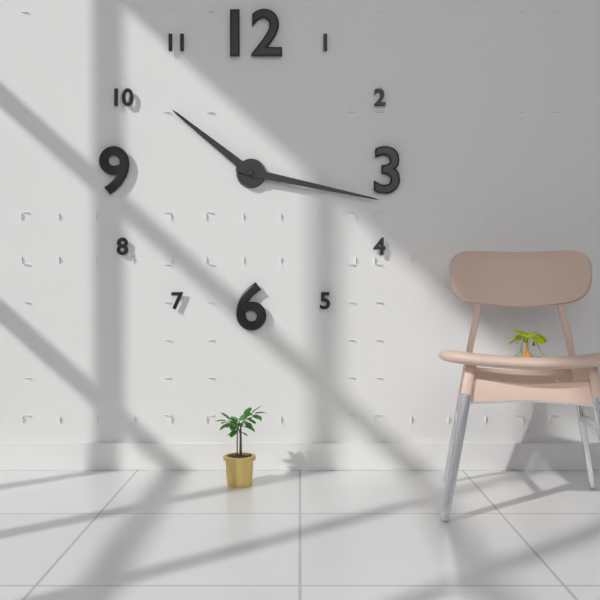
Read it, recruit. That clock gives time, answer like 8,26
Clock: 10,17
